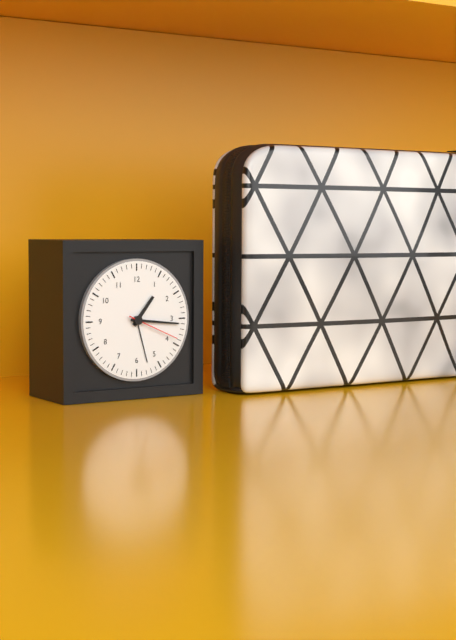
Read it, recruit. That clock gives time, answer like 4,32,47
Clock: 1,16,19
